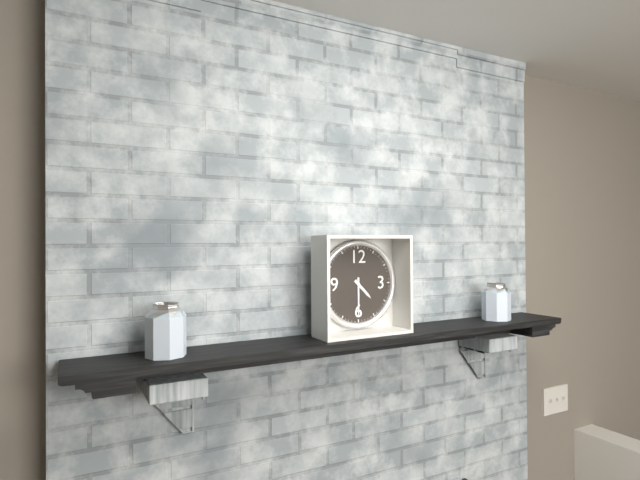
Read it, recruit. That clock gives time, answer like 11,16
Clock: 4,30
